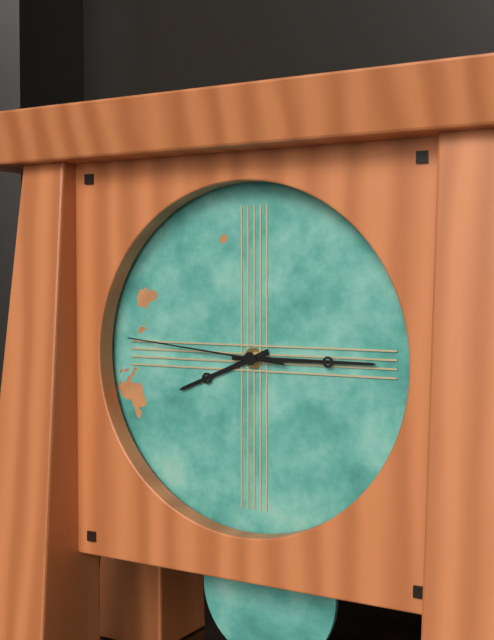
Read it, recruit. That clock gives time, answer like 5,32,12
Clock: 8,15,46
